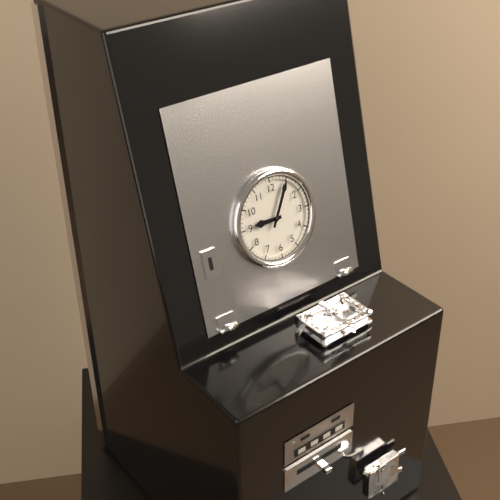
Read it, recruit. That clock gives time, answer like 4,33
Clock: 9,05
